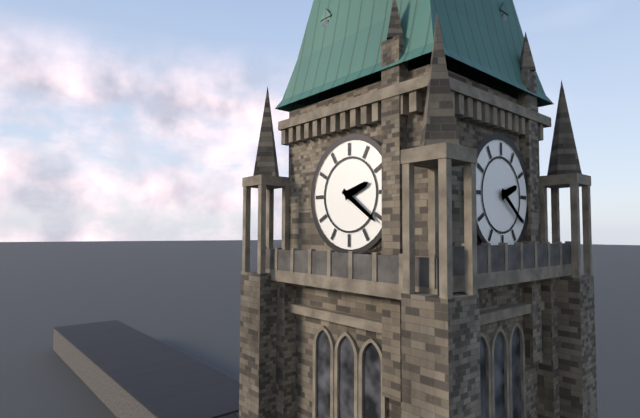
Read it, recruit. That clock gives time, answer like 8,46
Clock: 2,21
